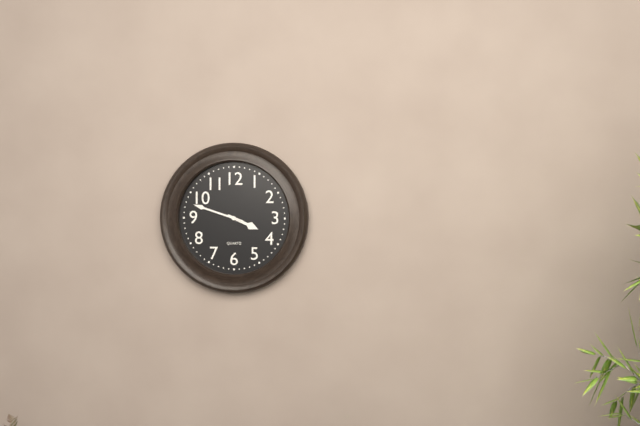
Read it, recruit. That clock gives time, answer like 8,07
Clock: 3,48
